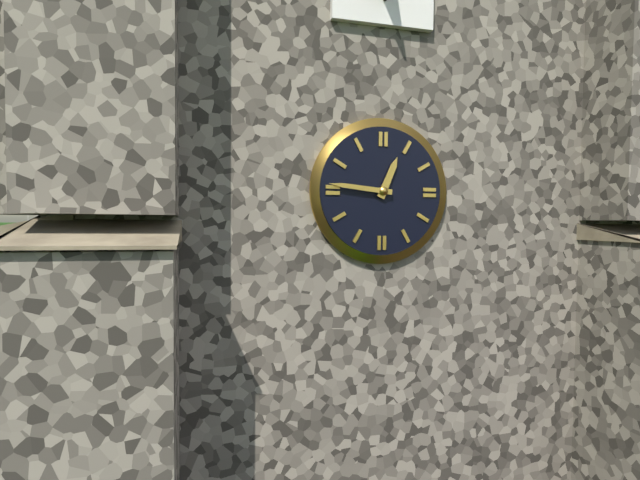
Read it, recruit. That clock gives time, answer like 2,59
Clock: 12,46
